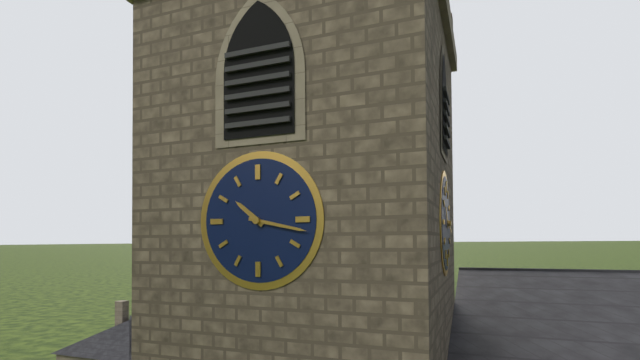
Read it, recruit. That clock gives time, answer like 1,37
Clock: 10,17
